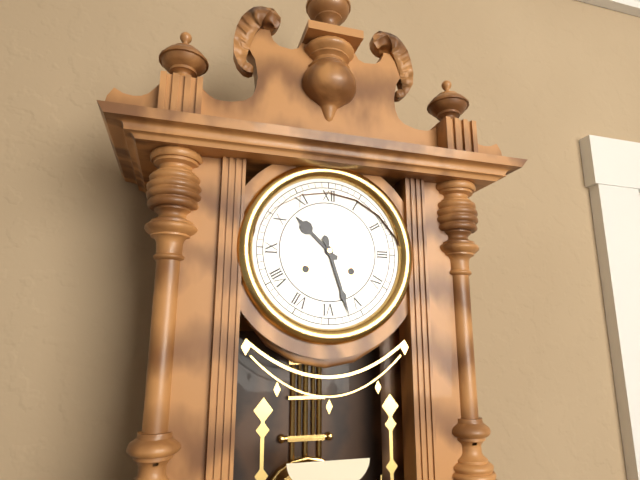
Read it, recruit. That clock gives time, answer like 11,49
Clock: 10,27
